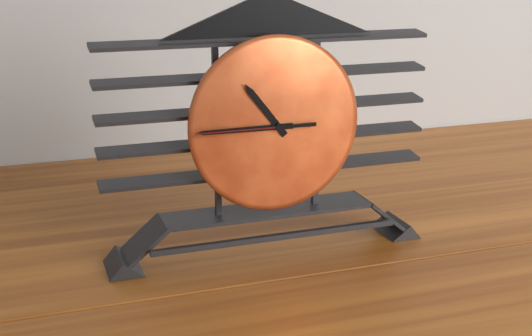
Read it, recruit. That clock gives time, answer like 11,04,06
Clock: 10,45,45
